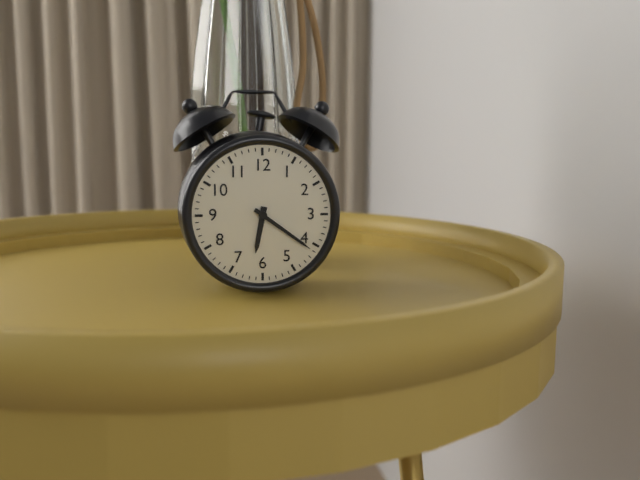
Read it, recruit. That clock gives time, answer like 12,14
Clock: 6,21
